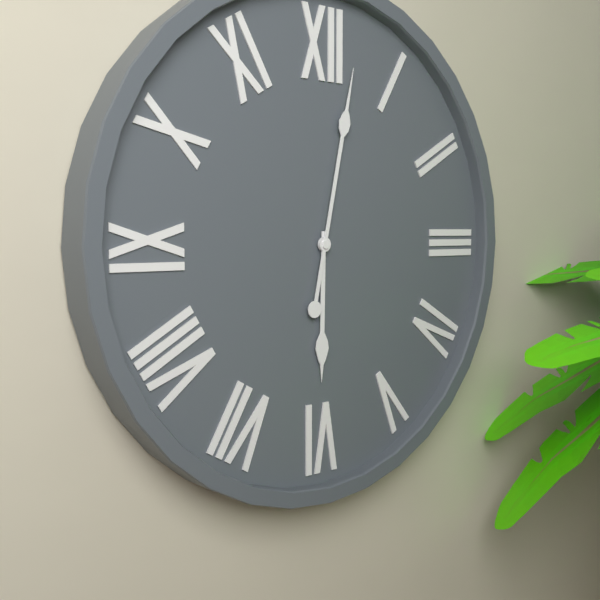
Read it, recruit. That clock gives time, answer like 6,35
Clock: 6,02
